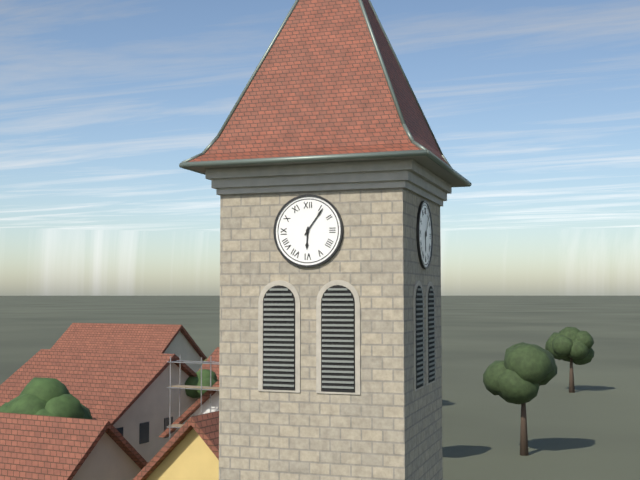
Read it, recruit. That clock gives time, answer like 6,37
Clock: 6,06
